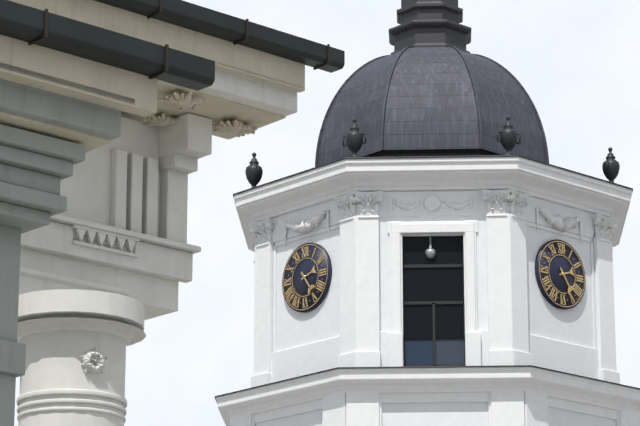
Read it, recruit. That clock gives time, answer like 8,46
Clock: 2,24
